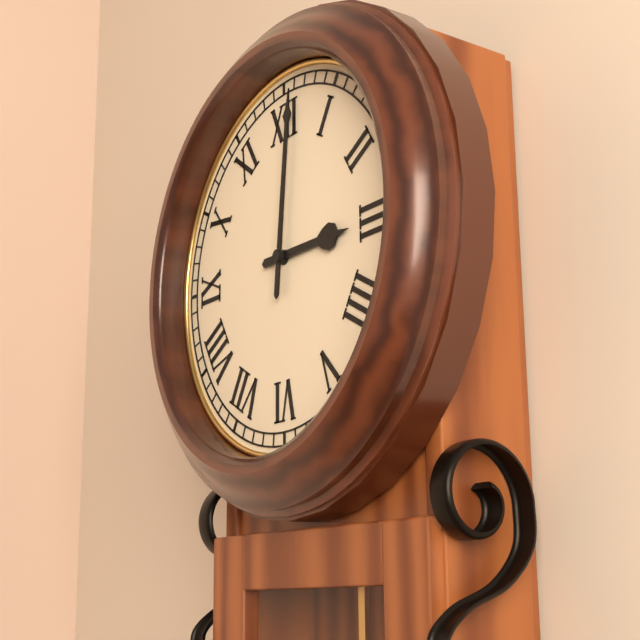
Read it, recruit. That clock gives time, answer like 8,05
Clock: 3,01
